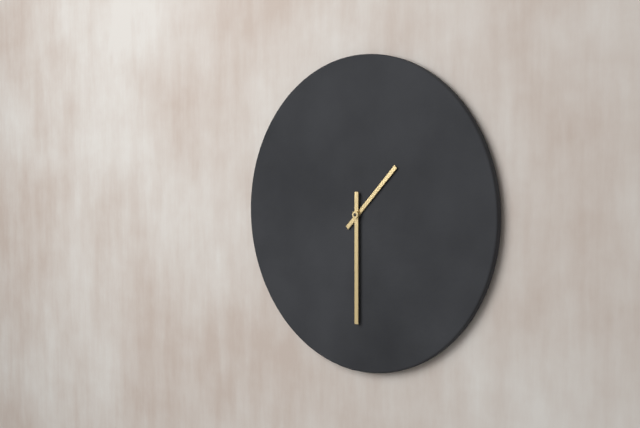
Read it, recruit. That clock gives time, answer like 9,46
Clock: 1,30
